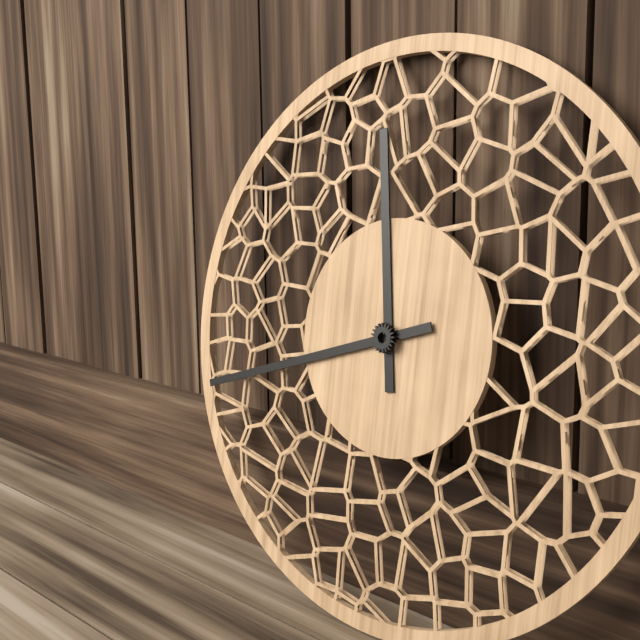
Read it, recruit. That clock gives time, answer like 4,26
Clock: 11,42
